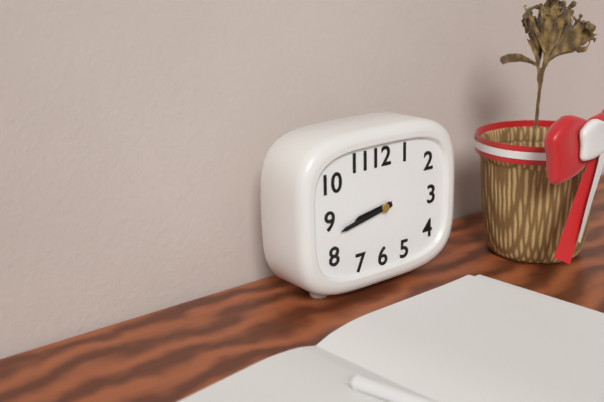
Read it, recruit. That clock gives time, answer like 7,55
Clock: 8,43
